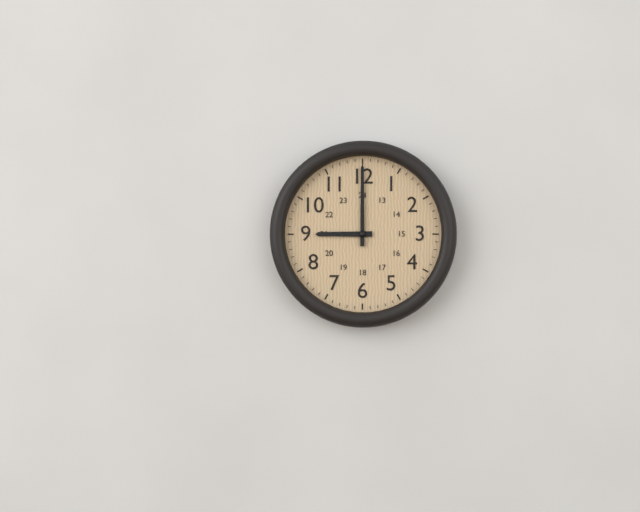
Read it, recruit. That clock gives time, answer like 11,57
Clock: 9,00
